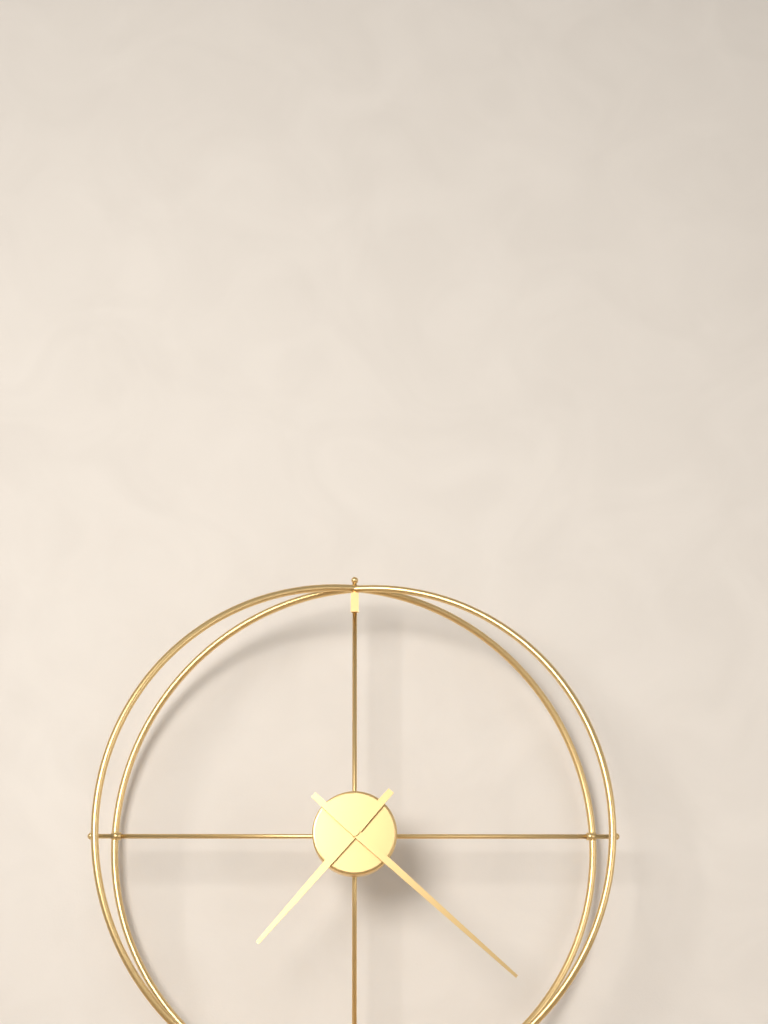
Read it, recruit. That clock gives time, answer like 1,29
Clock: 7,22
